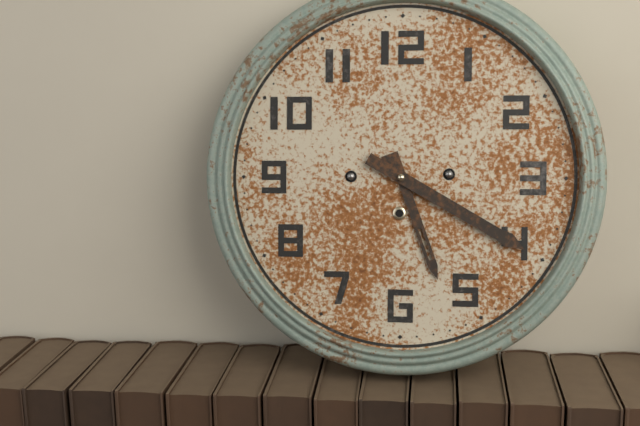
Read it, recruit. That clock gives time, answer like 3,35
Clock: 5,20
